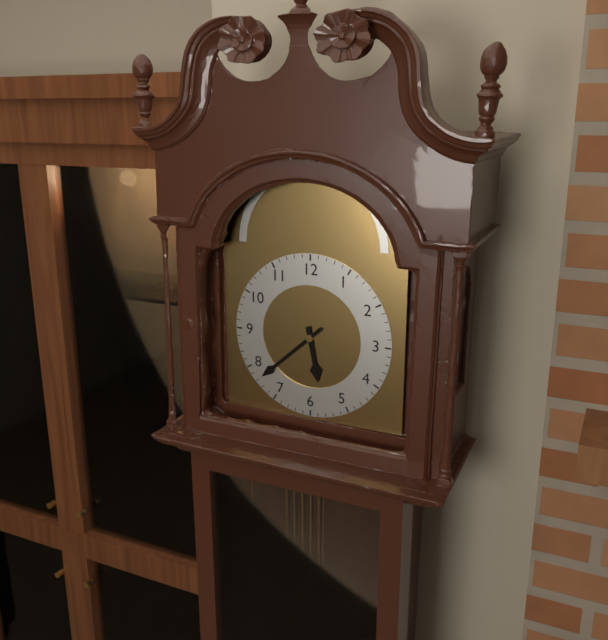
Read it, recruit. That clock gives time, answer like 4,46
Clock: 5,38
